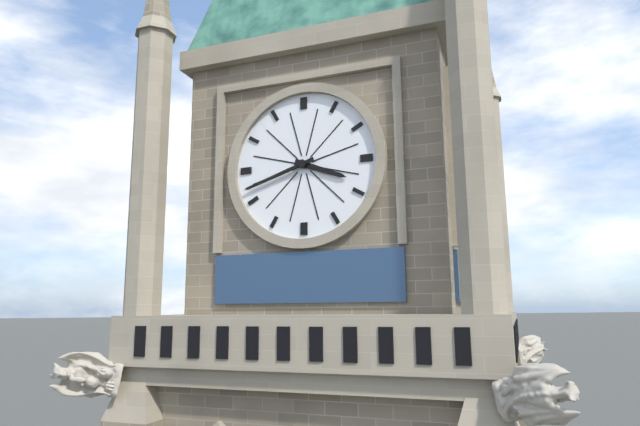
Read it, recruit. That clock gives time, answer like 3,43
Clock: 3,42
